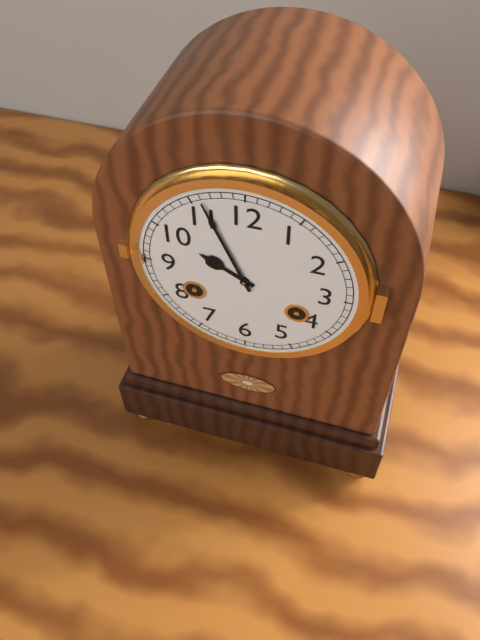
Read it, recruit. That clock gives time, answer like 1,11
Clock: 9,56
